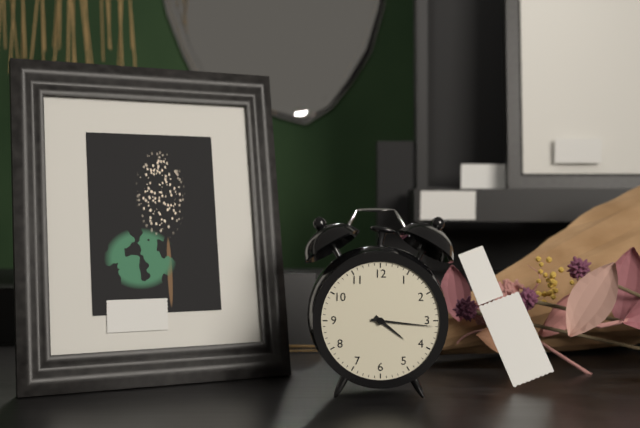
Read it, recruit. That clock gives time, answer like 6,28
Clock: 4,16
